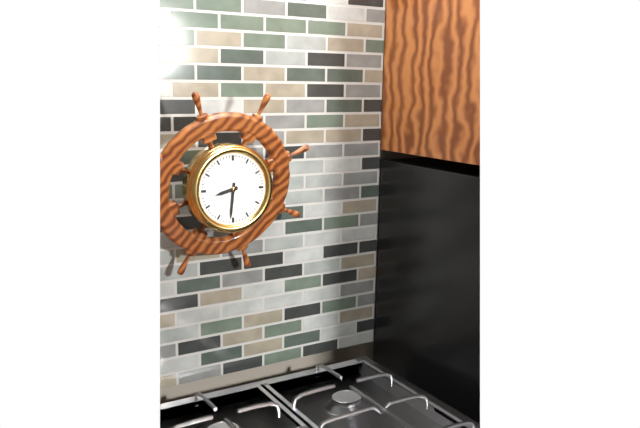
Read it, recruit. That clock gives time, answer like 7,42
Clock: 8,31
